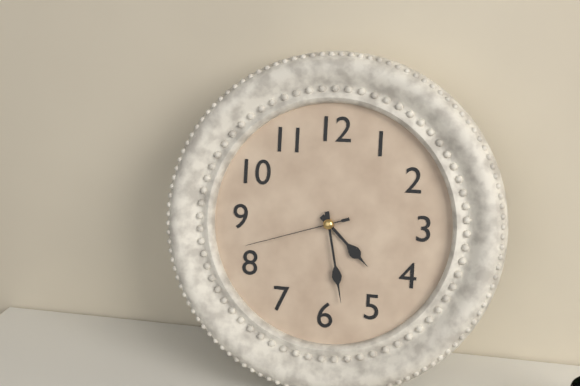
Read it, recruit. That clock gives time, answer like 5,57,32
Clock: 4,28,42
